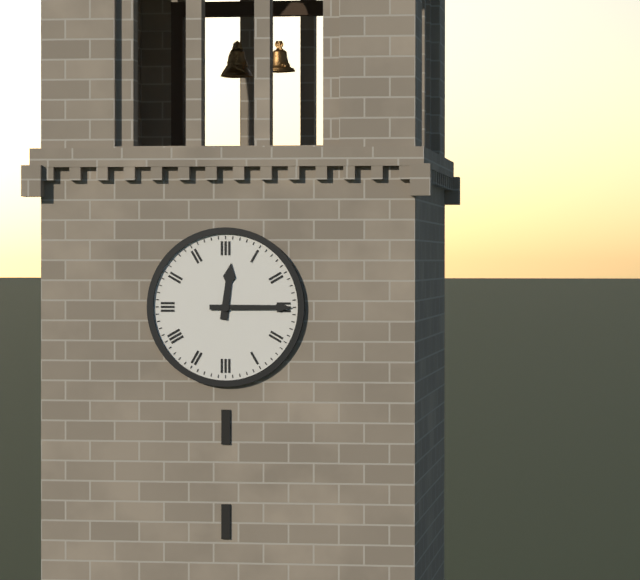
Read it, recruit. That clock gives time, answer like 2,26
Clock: 12,15
